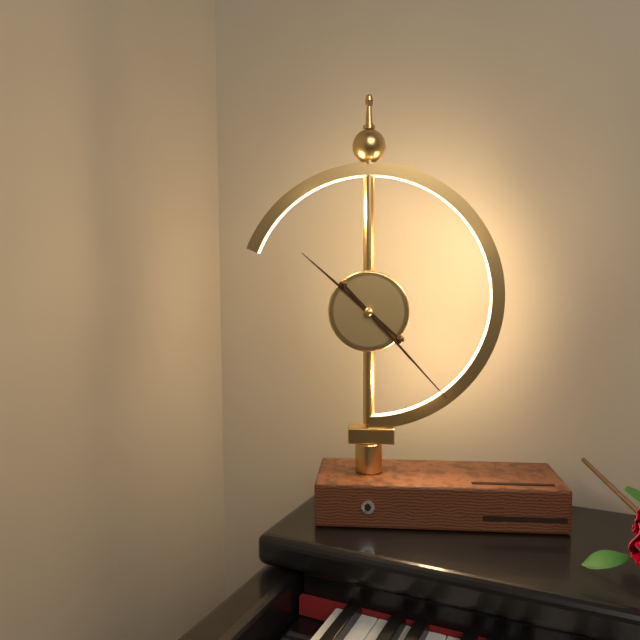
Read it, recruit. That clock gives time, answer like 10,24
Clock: 10,23
